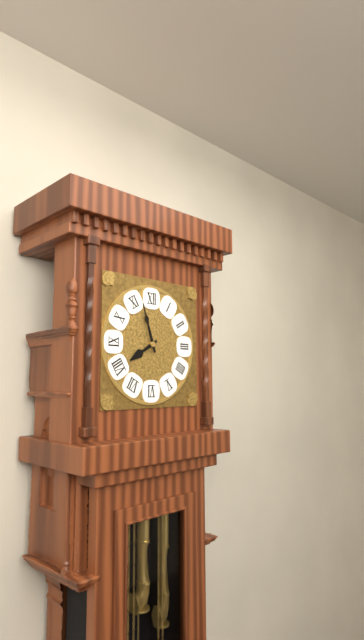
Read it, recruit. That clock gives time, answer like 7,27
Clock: 7,57
